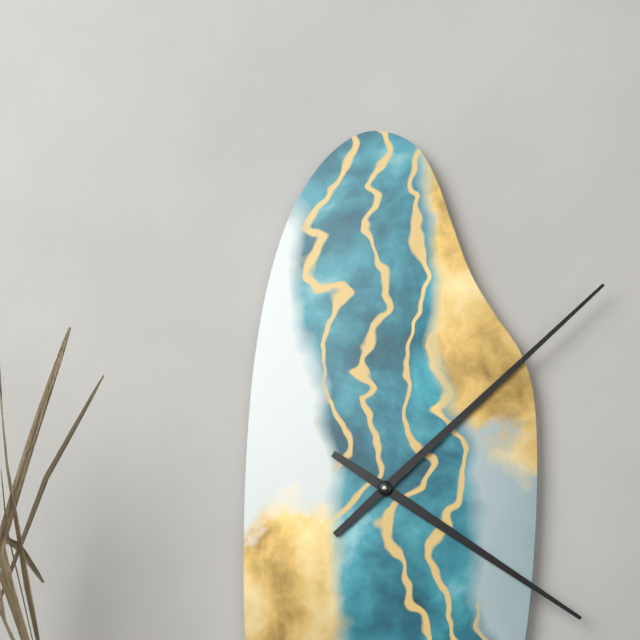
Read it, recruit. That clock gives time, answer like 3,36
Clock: 4,08
